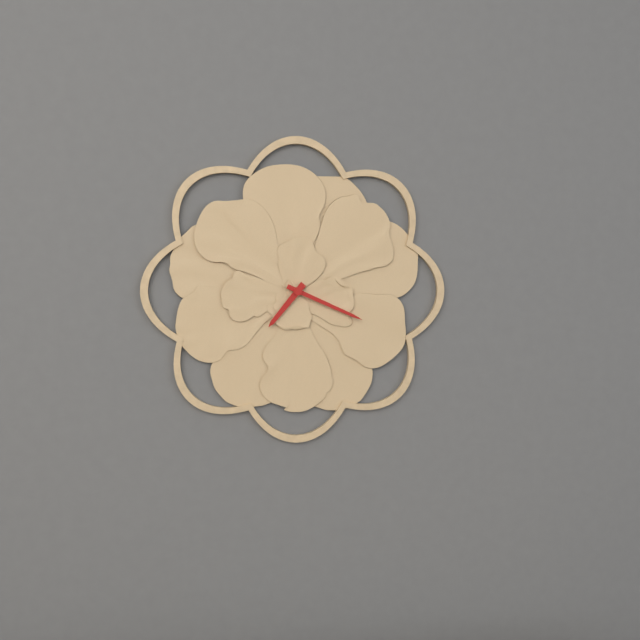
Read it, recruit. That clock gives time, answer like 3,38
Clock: 7,19
